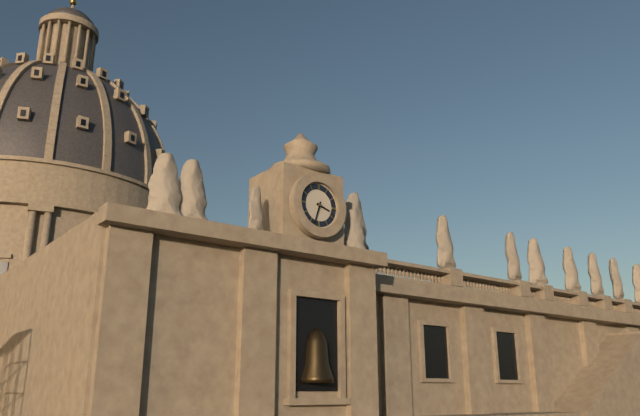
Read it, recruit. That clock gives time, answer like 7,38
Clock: 3,33
